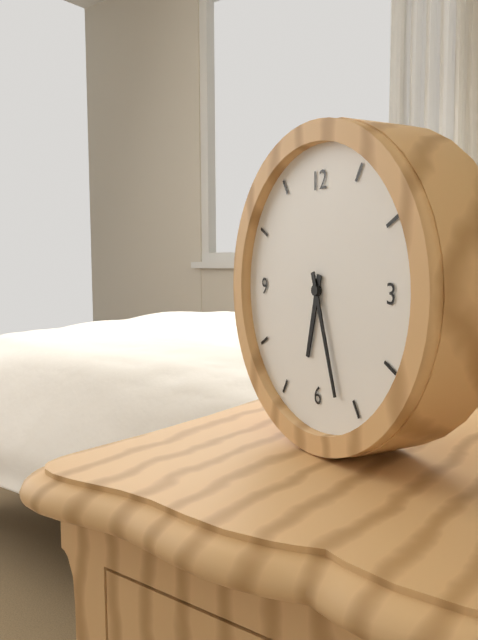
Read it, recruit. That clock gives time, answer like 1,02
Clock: 6,27
